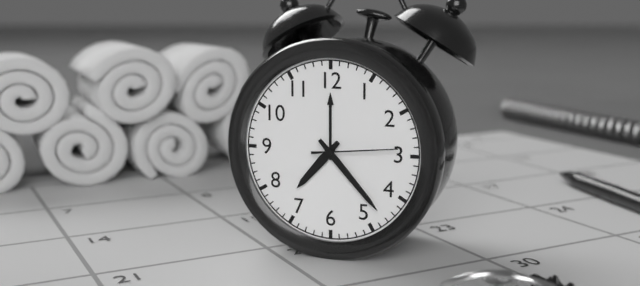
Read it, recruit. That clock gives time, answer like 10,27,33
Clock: 7,23,14
